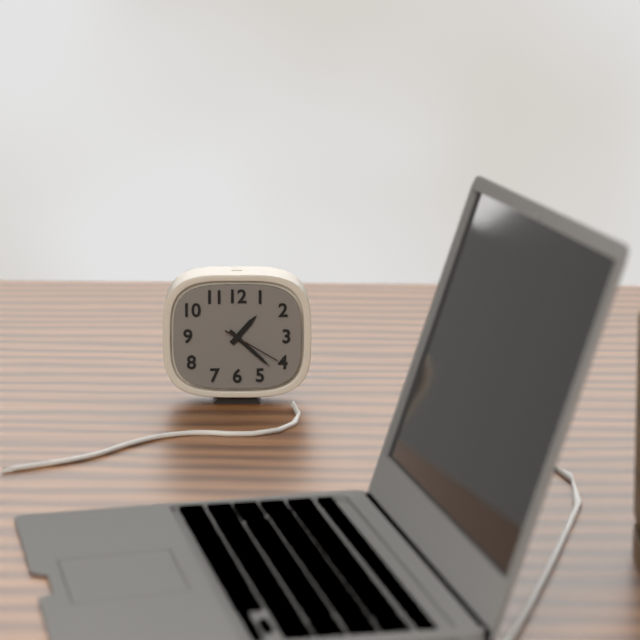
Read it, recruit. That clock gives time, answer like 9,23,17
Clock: 1,22,20
